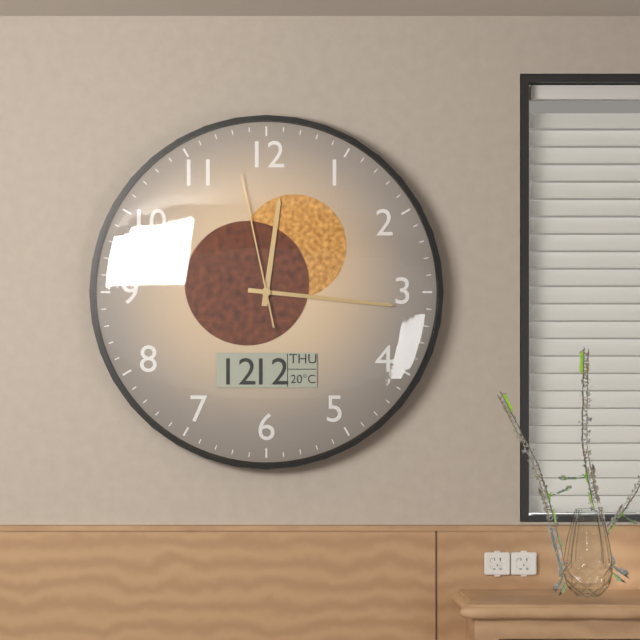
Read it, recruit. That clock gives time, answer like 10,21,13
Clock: 12,16,58
